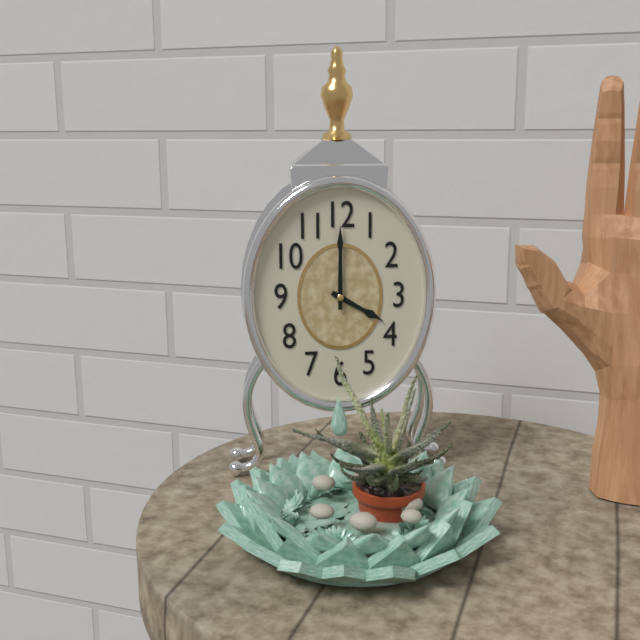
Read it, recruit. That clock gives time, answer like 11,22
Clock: 4,00
